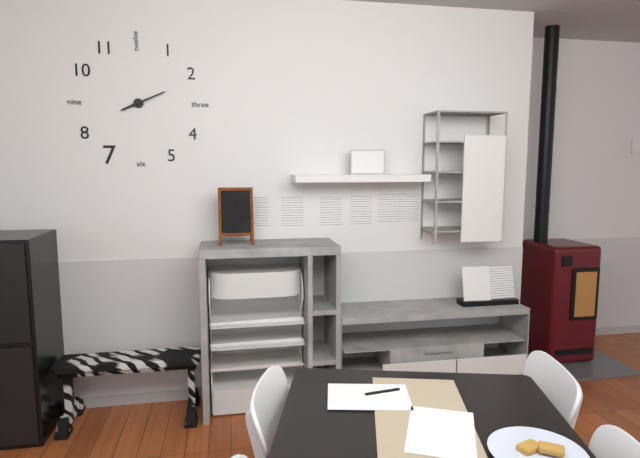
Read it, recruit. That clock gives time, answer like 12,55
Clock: 8,11
